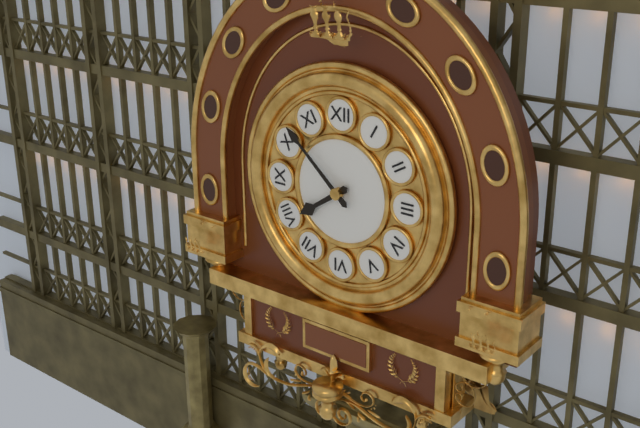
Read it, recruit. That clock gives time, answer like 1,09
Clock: 7,52
